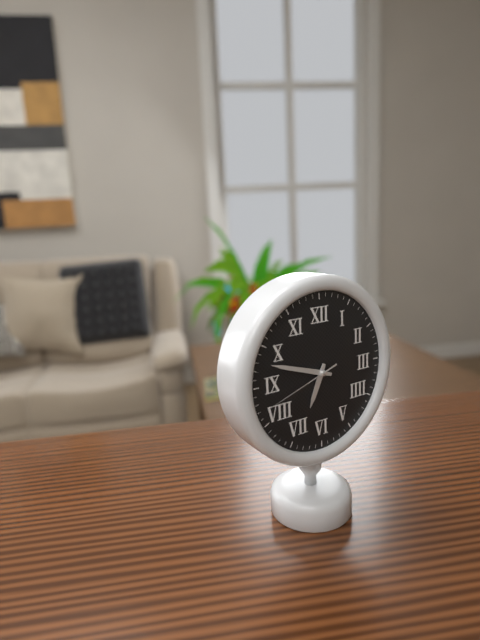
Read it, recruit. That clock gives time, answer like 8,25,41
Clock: 6,48,42
